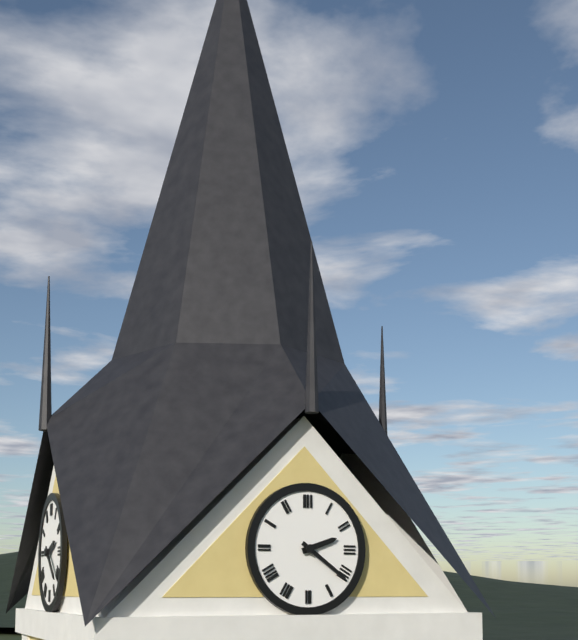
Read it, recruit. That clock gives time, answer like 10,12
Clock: 2,21
